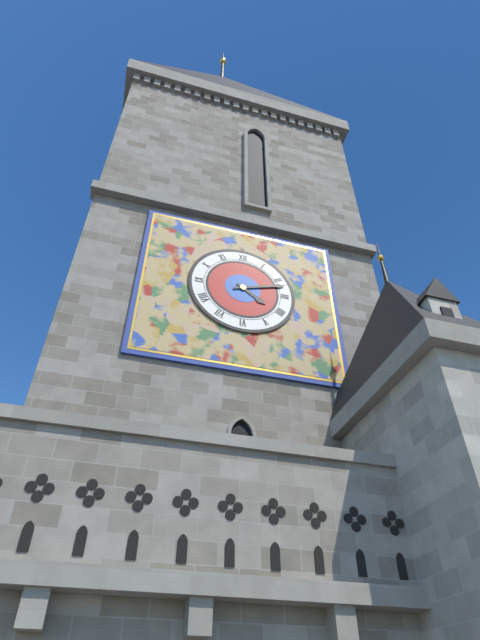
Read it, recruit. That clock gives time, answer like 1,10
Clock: 4,12
